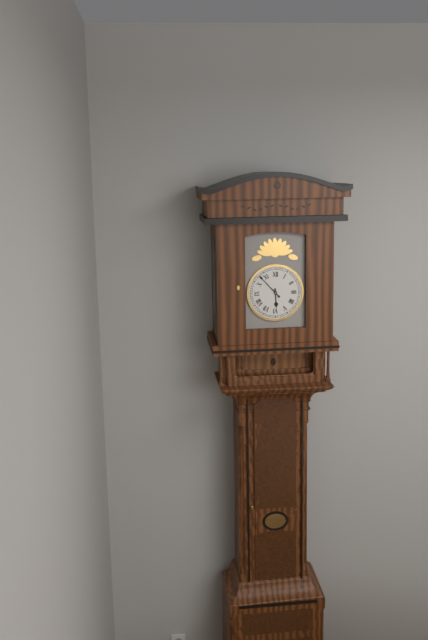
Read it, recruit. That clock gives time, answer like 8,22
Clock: 5,53
